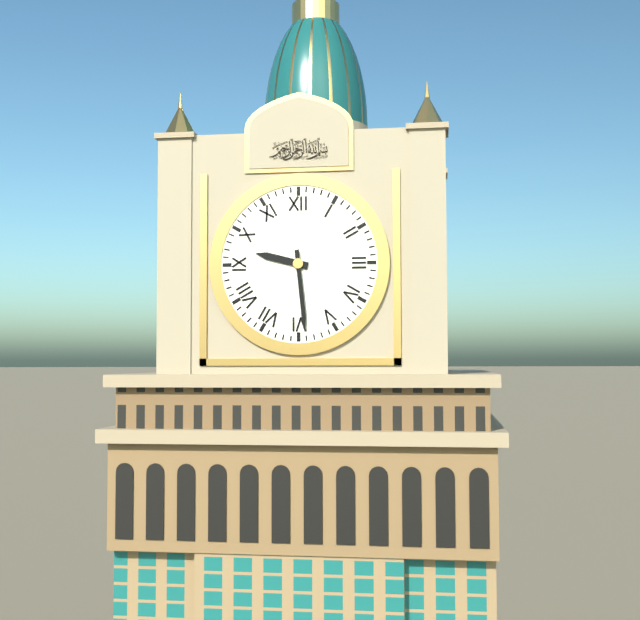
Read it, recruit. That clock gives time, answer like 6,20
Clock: 9,29
